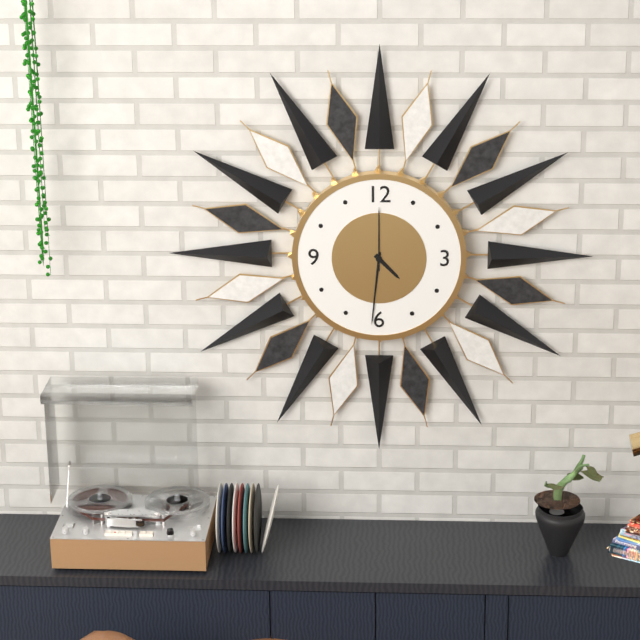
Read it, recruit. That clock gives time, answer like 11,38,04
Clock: 4,31,00
